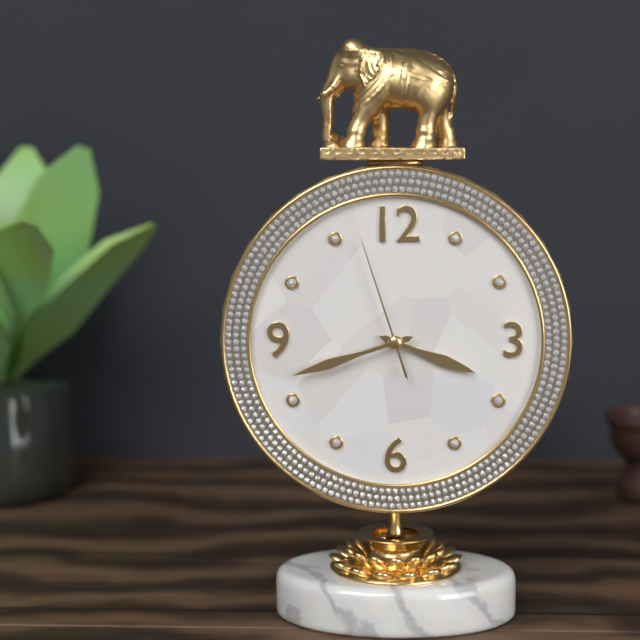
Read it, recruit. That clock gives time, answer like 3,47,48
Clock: 3,42,57
